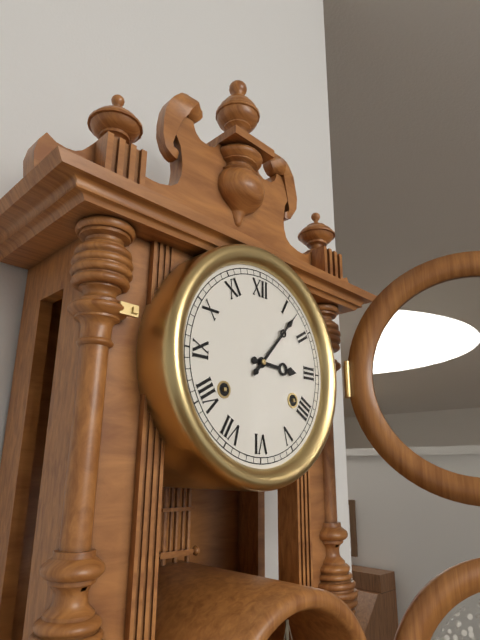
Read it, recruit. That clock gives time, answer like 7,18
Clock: 3,07
